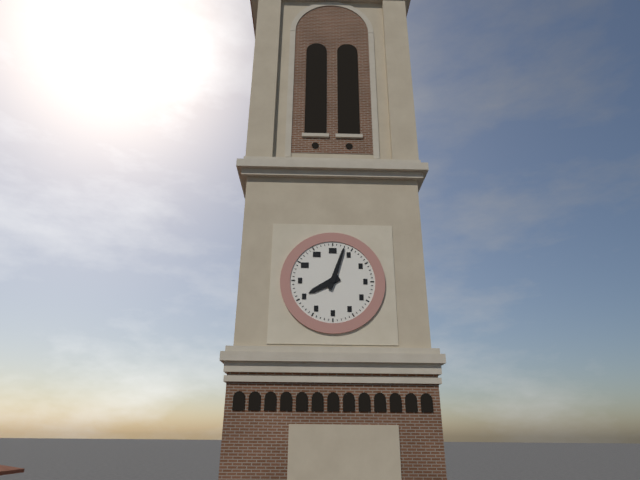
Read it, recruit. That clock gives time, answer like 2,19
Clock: 8,03
